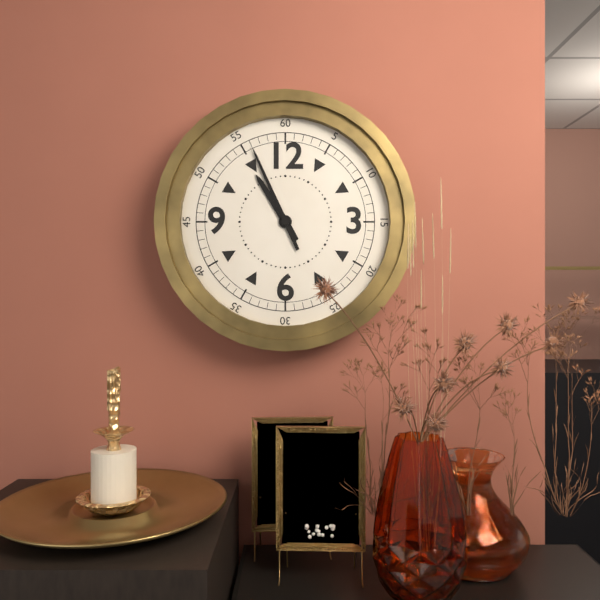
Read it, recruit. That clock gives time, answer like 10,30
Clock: 10,56
